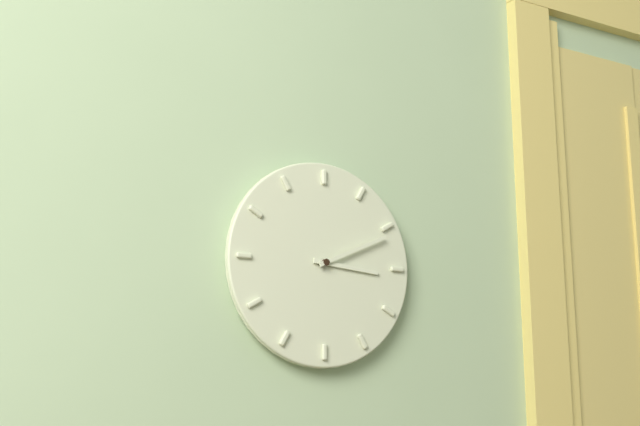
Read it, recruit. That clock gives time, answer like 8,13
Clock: 3,11
